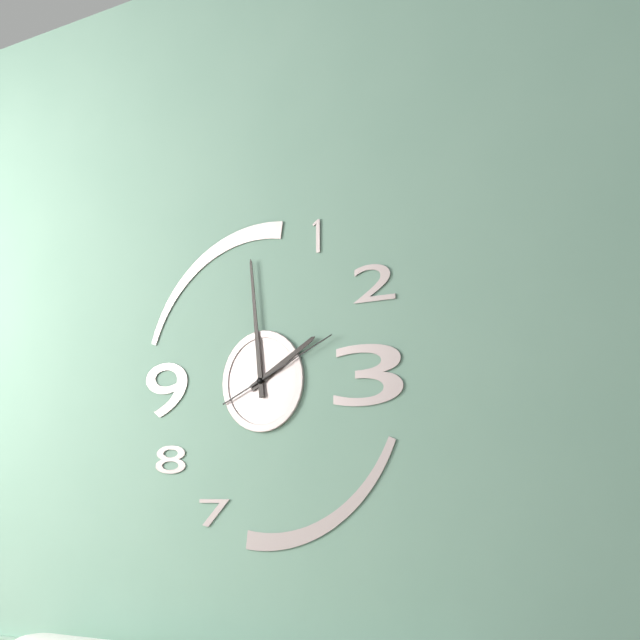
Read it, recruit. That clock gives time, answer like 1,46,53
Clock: 1,59,11
